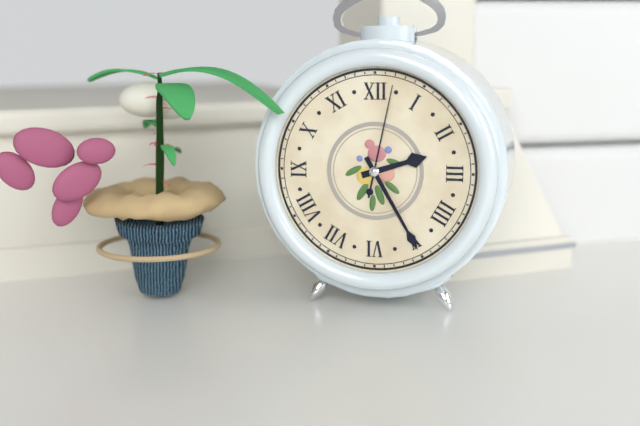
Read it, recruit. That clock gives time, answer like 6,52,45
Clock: 2,25,02
